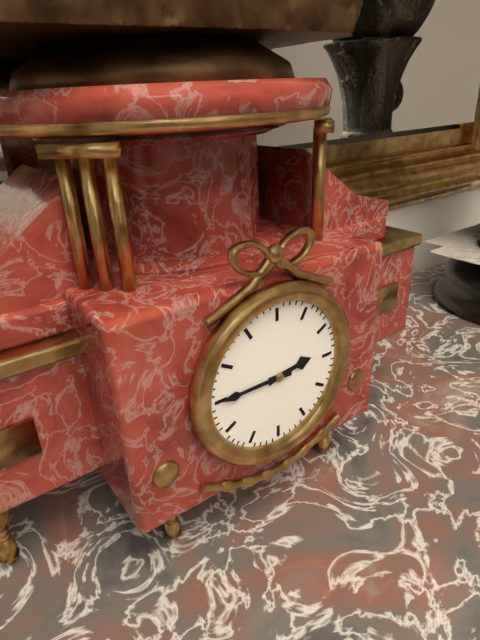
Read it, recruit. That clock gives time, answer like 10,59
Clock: 2,45
